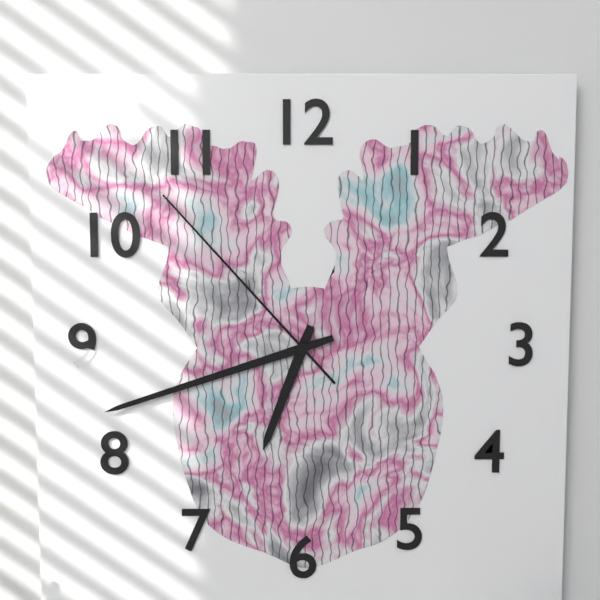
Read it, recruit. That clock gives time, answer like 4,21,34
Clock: 6,42,53
